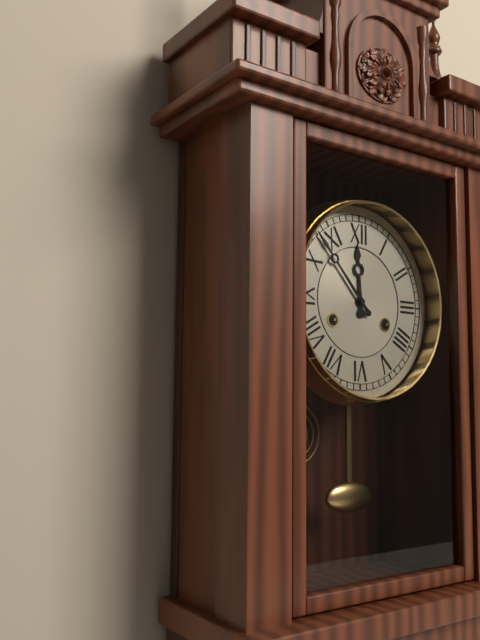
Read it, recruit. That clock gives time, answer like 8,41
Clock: 11,53
